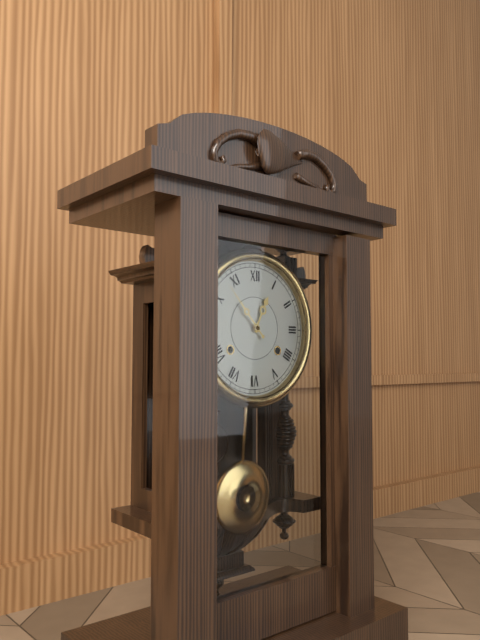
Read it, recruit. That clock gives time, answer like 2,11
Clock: 12,53
